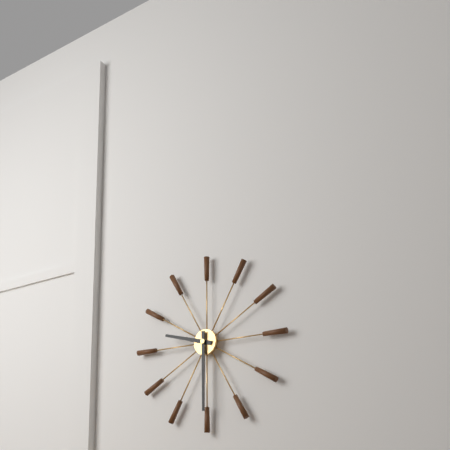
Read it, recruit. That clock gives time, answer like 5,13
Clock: 9,30
